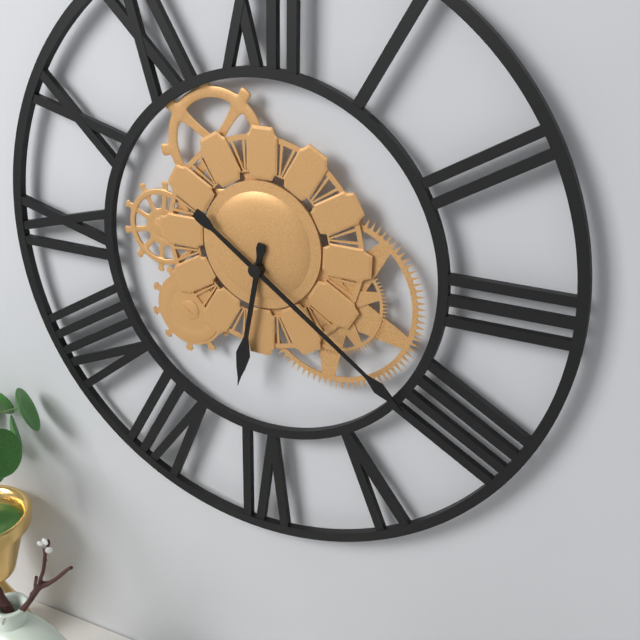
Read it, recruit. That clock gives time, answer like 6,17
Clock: 6,21
